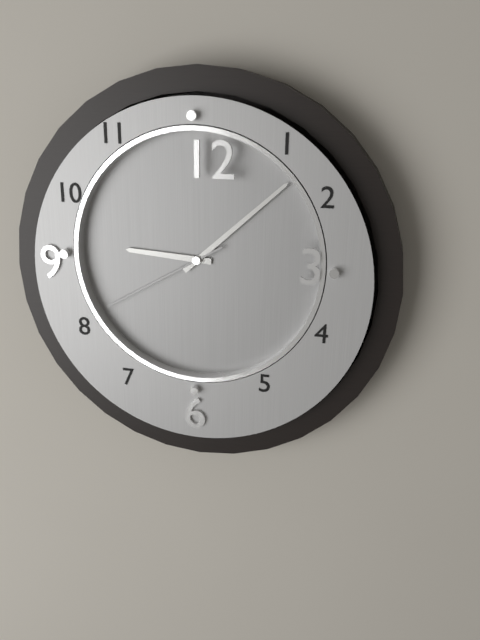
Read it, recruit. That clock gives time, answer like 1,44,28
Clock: 9,08,40
